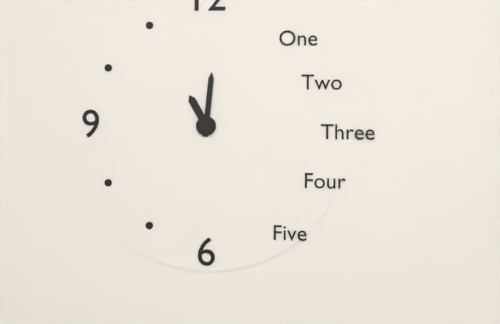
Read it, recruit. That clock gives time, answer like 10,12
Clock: 11,01
